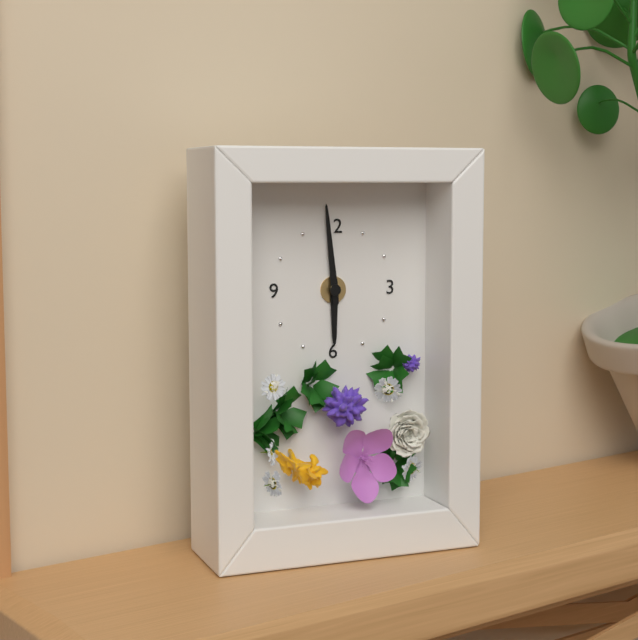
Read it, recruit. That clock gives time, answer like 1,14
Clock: 5,59
